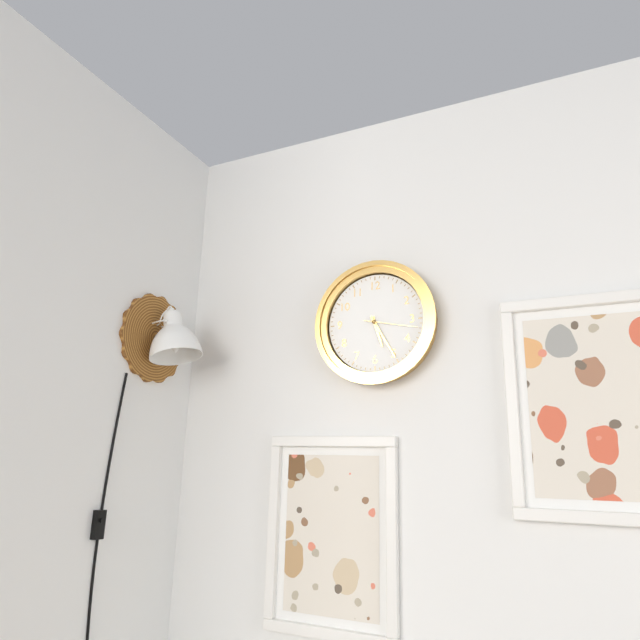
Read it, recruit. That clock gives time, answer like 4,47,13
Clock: 5,25,17
